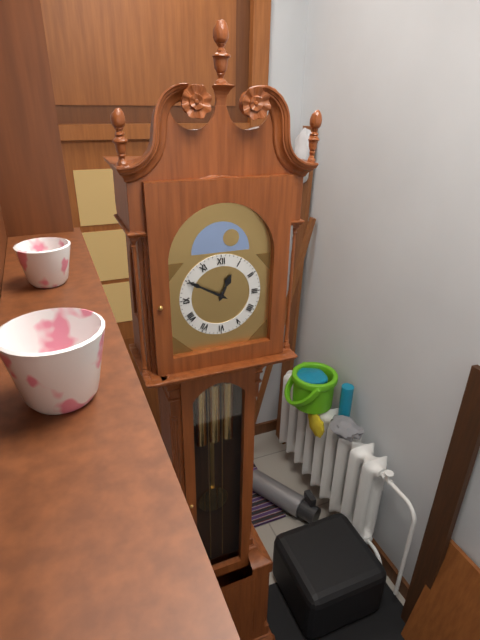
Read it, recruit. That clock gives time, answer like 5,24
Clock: 12,50
